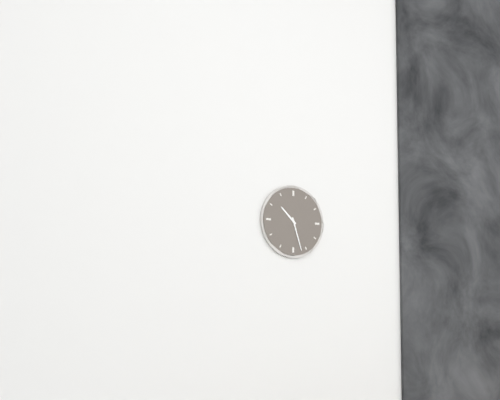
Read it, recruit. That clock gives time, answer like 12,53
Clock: 10,27
